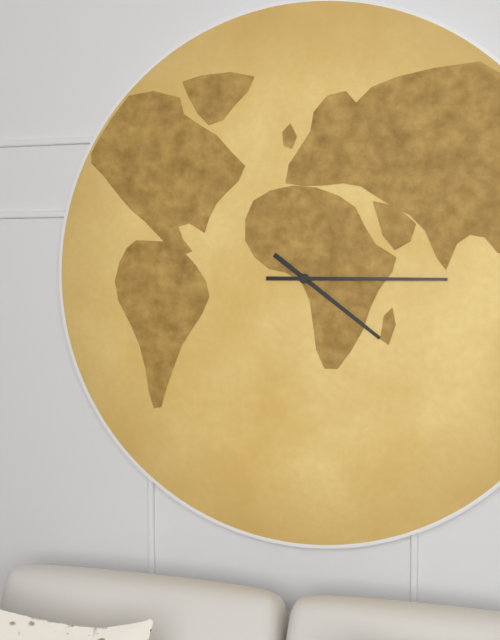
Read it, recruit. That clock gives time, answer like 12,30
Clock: 4,15
